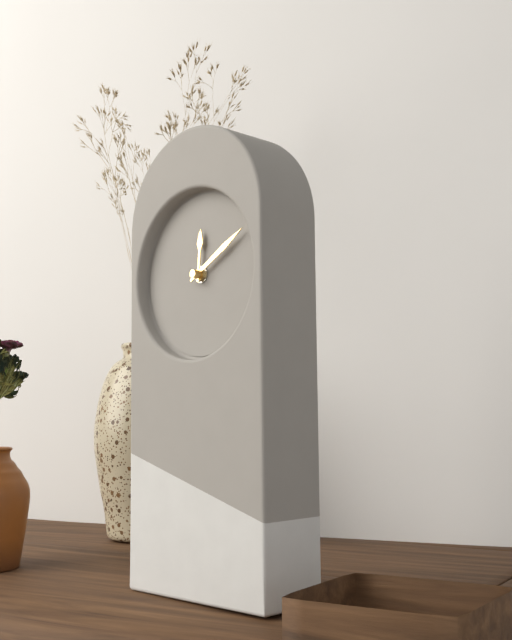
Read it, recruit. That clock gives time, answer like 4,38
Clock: 12,10
